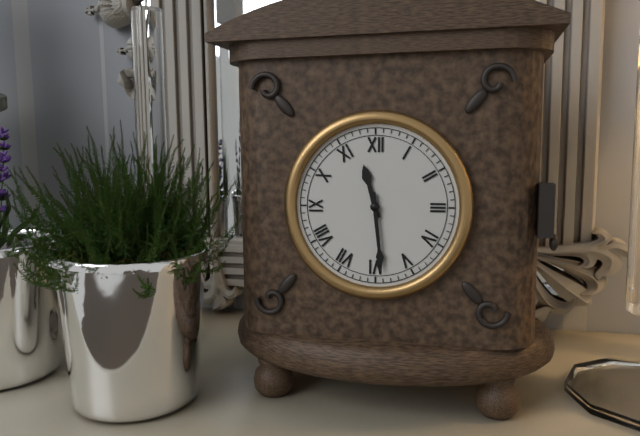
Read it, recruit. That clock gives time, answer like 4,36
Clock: 11,29
